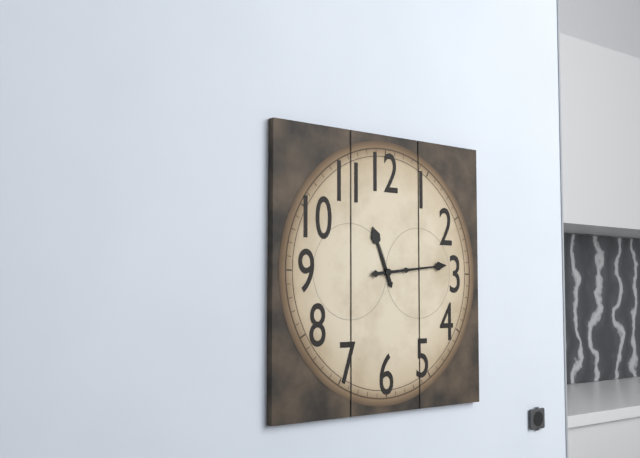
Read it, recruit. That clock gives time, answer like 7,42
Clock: 11,14
